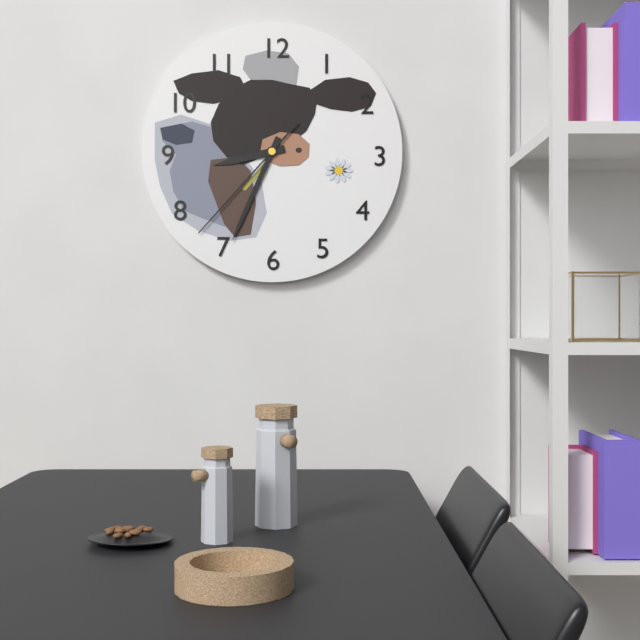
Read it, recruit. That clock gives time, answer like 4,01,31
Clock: 8,34,37
